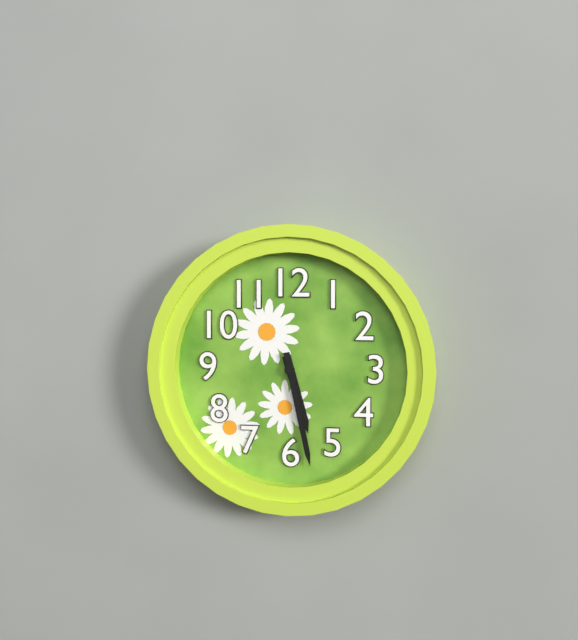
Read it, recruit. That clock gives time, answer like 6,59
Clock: 5,28
